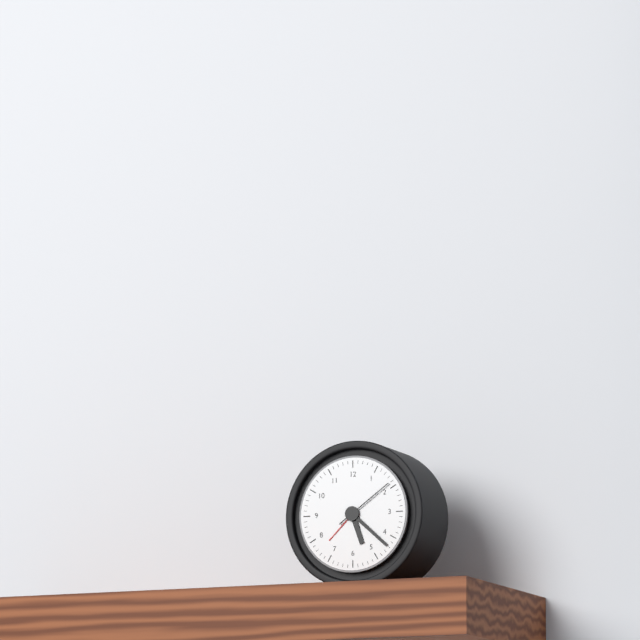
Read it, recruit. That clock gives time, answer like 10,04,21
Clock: 5,22,09
